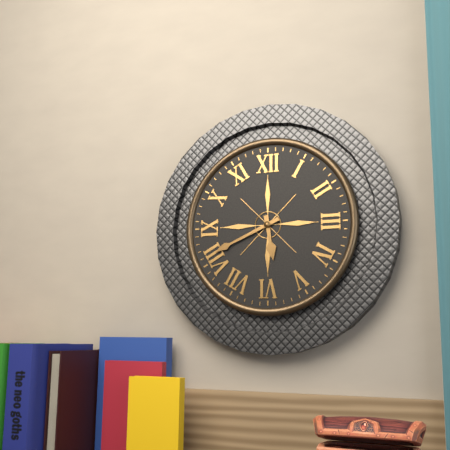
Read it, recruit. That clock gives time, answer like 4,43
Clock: 5,41
